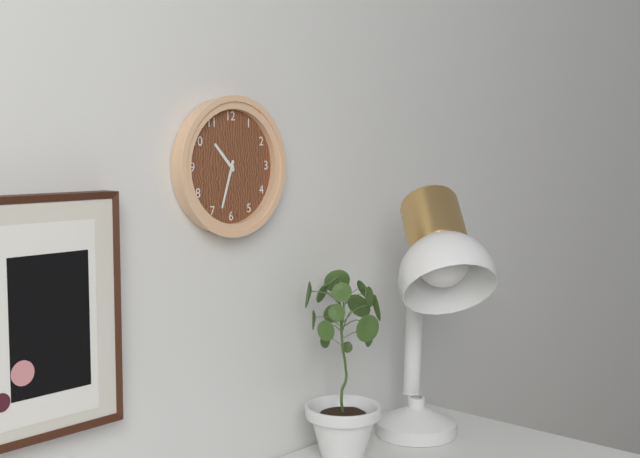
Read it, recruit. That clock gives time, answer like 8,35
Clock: 10,33
